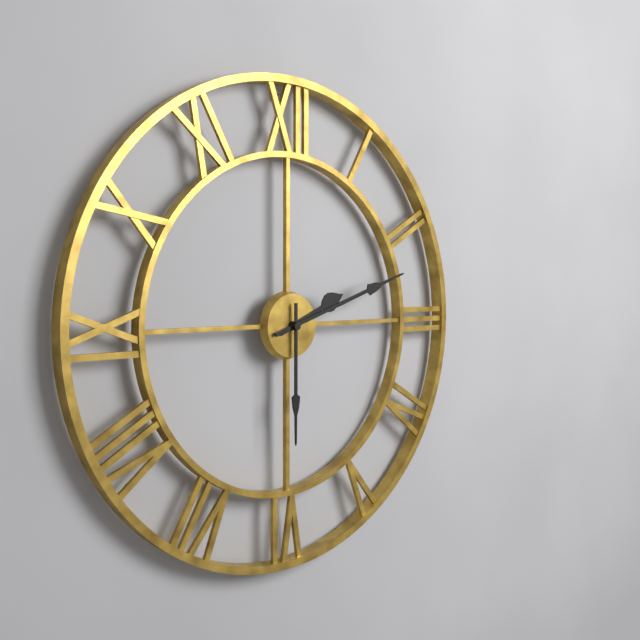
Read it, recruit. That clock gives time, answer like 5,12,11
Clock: 2,12,30
